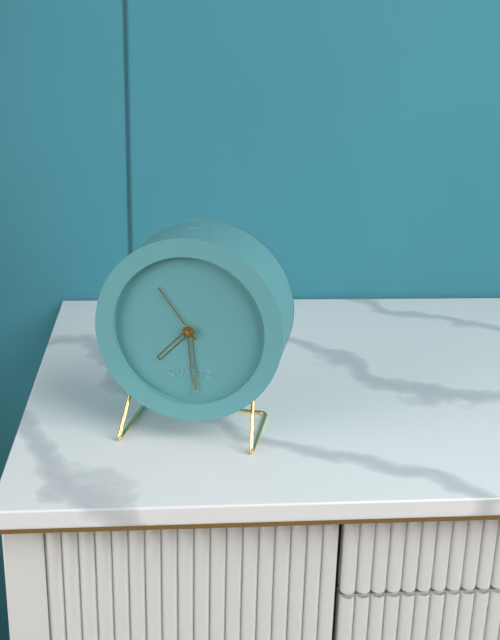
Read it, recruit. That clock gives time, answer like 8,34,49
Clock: 7,29,54
